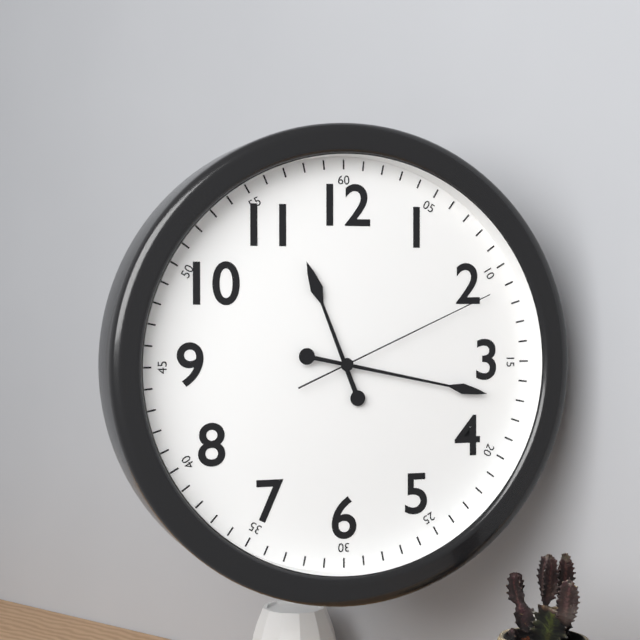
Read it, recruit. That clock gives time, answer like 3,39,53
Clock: 11,17,11
